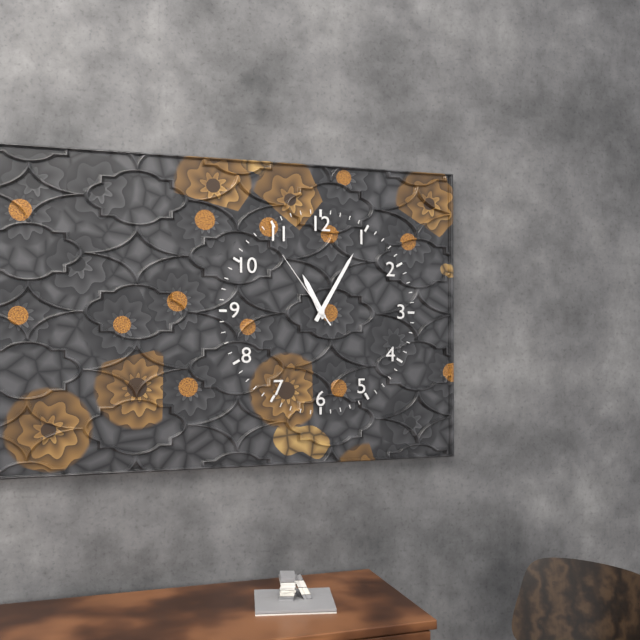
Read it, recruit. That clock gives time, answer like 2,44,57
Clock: 11,05,54
